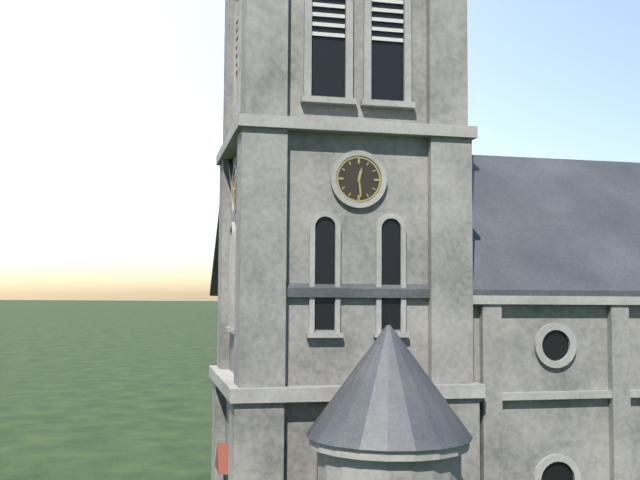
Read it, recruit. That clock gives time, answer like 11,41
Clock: 12,29
